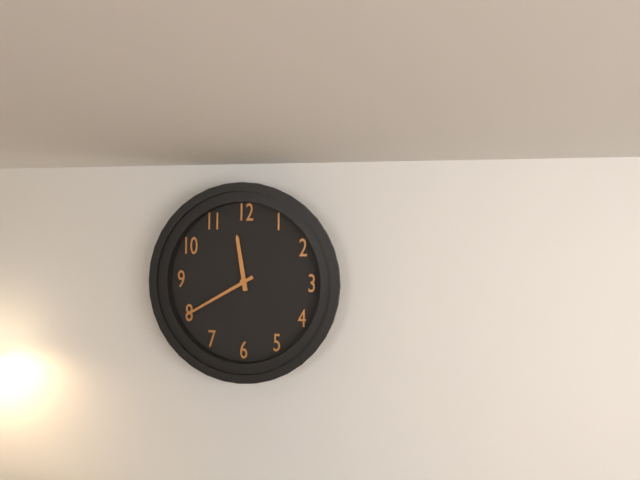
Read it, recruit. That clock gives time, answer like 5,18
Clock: 11,40
